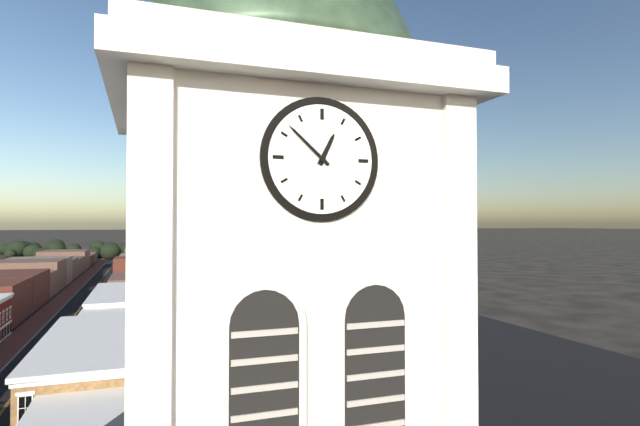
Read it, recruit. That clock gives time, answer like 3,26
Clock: 12,52
